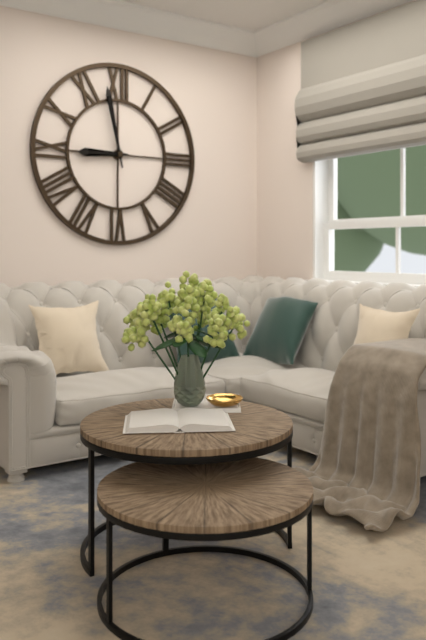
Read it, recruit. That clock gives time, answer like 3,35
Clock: 8,58
